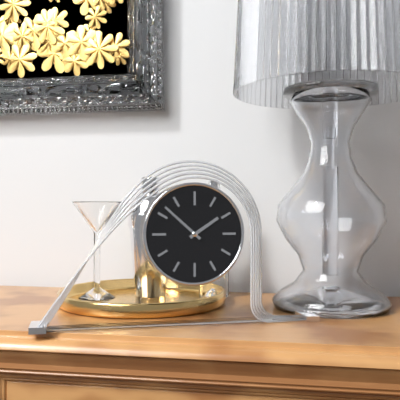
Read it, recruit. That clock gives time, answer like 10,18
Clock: 1,52
